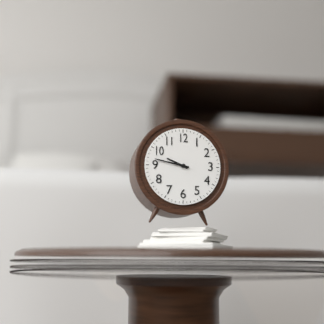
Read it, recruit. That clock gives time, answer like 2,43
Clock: 9,47
